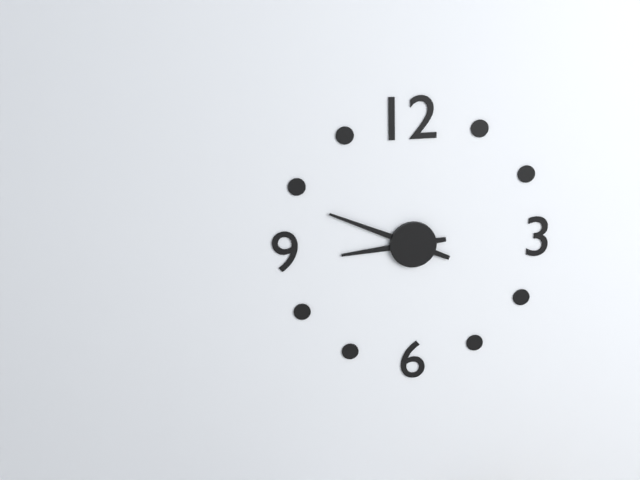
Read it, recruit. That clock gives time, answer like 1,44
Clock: 8,49
